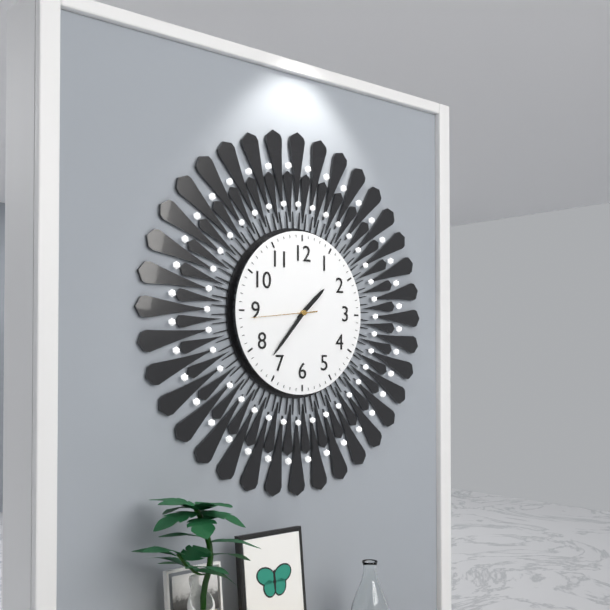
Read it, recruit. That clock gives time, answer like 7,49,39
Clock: 1,37,44
